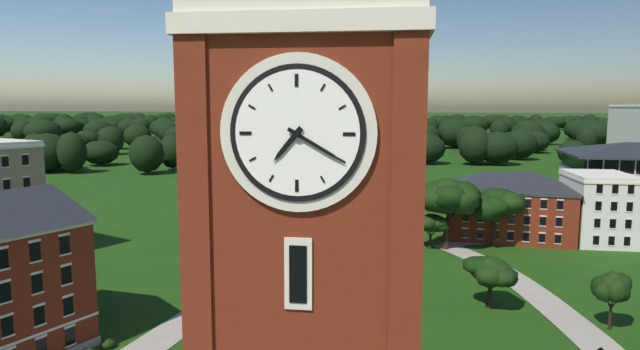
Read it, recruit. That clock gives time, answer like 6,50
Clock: 7,20
